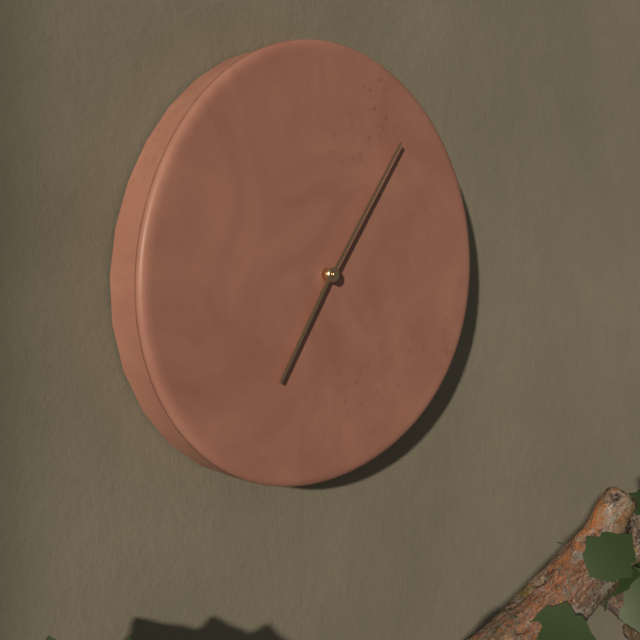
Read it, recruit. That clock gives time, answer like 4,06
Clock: 7,06
